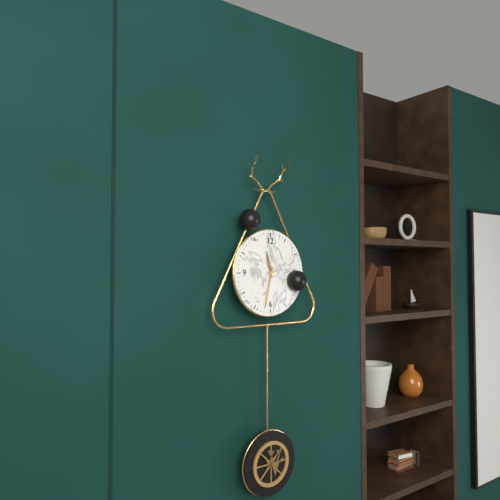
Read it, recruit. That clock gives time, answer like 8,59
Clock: 11,32
